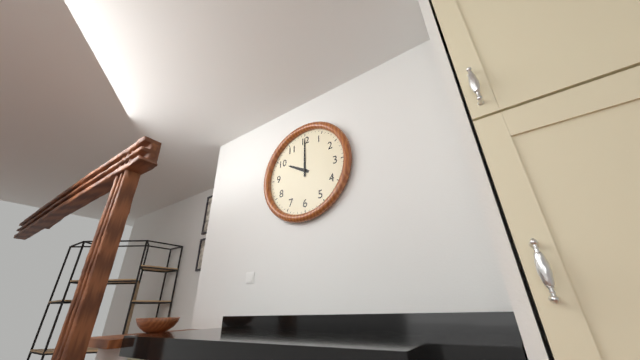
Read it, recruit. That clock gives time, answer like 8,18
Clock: 10,00
